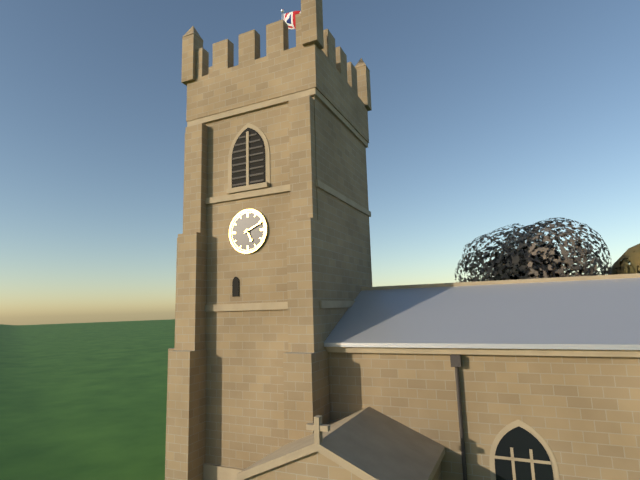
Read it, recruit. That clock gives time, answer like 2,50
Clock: 5,11
